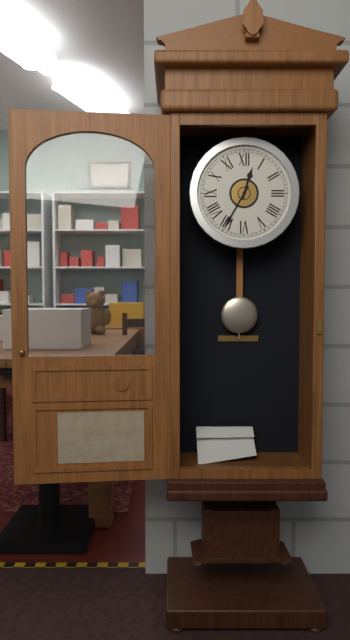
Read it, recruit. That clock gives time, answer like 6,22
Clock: 12,35
